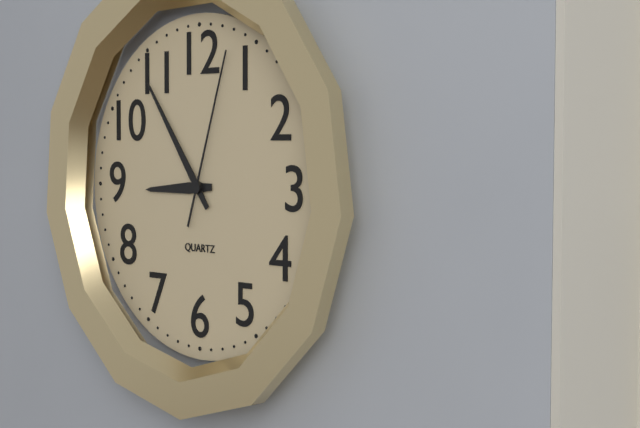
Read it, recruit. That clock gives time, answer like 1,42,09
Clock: 8,54,03
